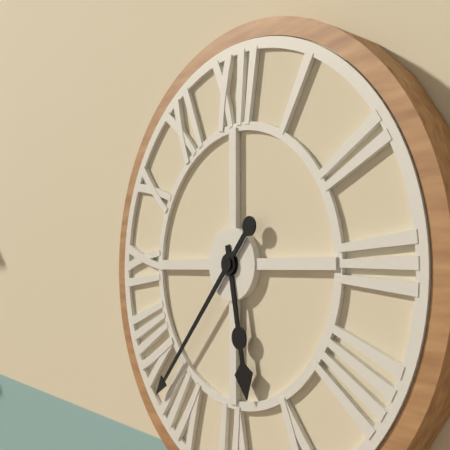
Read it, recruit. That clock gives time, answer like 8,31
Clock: 5,37
